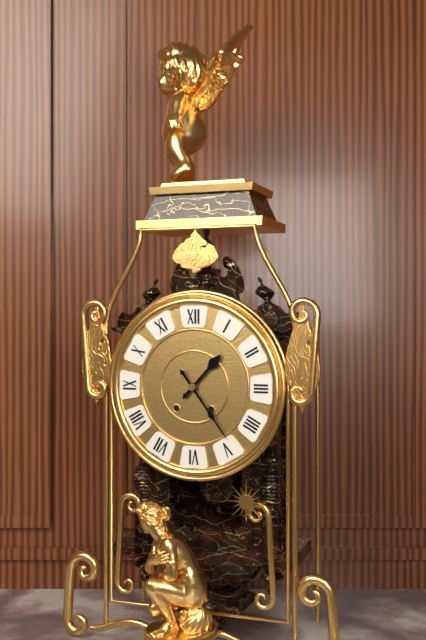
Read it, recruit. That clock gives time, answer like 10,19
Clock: 1,24
